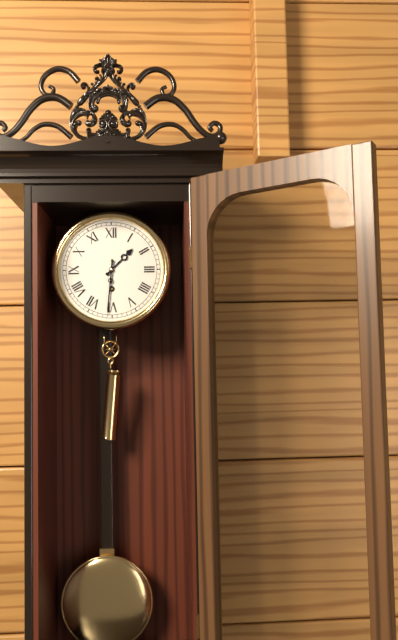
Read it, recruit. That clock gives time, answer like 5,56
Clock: 1,31
